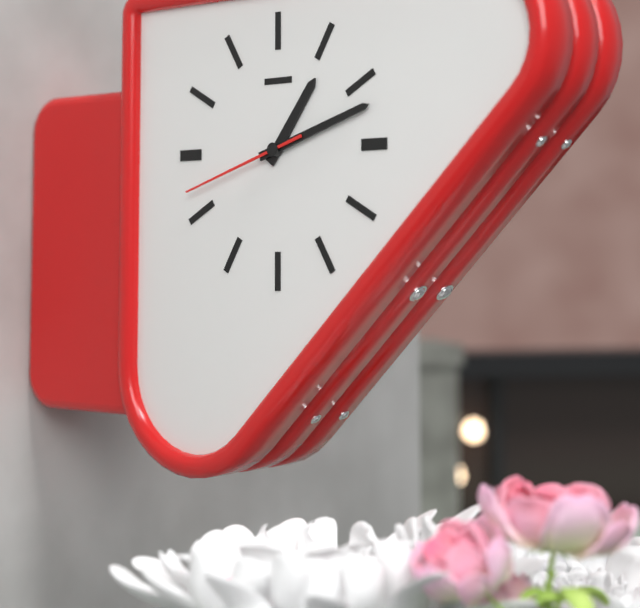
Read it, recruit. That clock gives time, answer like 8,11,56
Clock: 1,12,42
